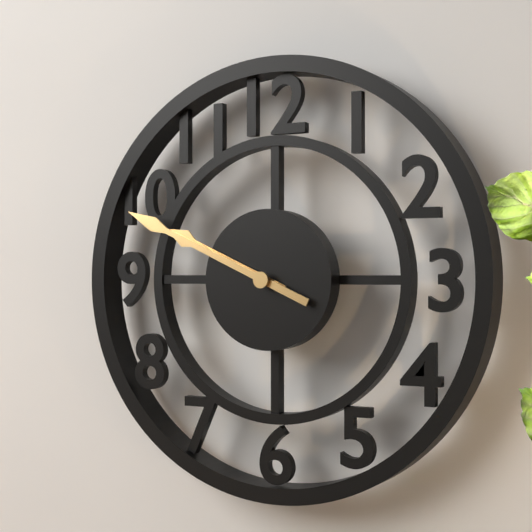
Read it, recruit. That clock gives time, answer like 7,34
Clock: 9,49
